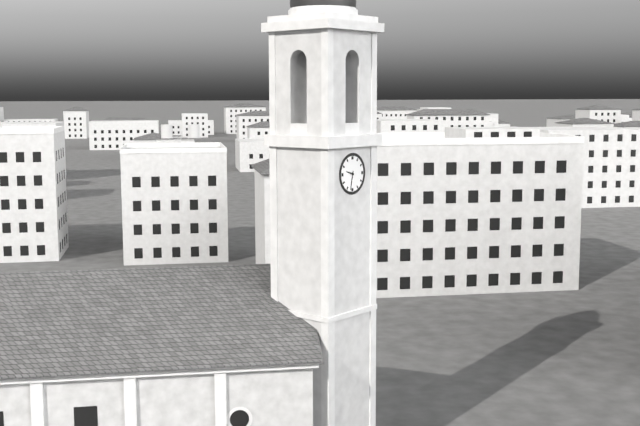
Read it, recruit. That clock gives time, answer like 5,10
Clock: 9,32
